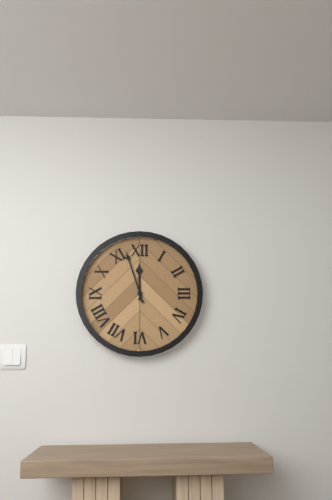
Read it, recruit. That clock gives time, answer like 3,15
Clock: 11,57
